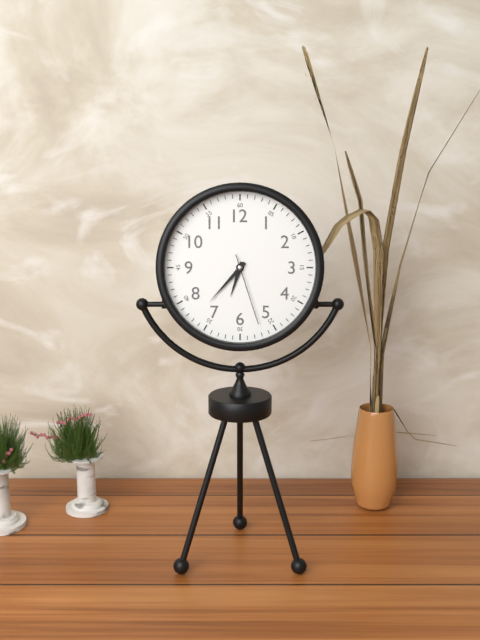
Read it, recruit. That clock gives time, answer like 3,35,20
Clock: 6,37,27
